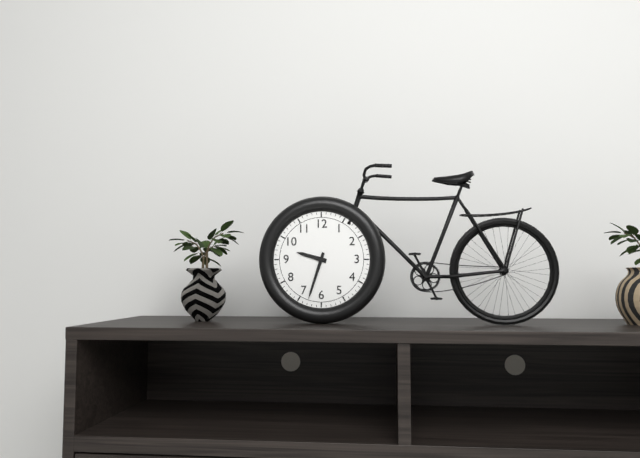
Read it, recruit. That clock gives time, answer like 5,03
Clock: 9,33
